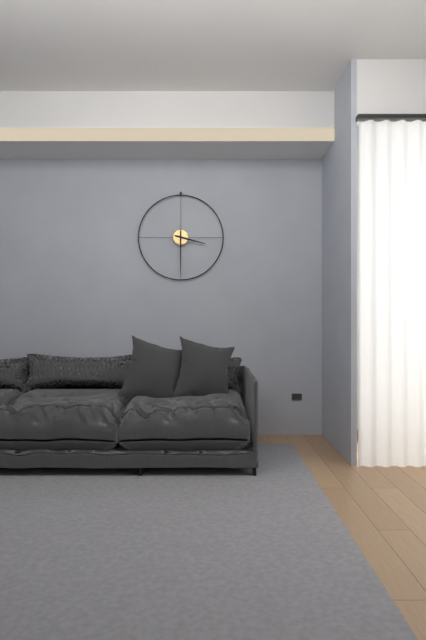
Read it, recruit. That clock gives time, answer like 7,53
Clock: 3,30
